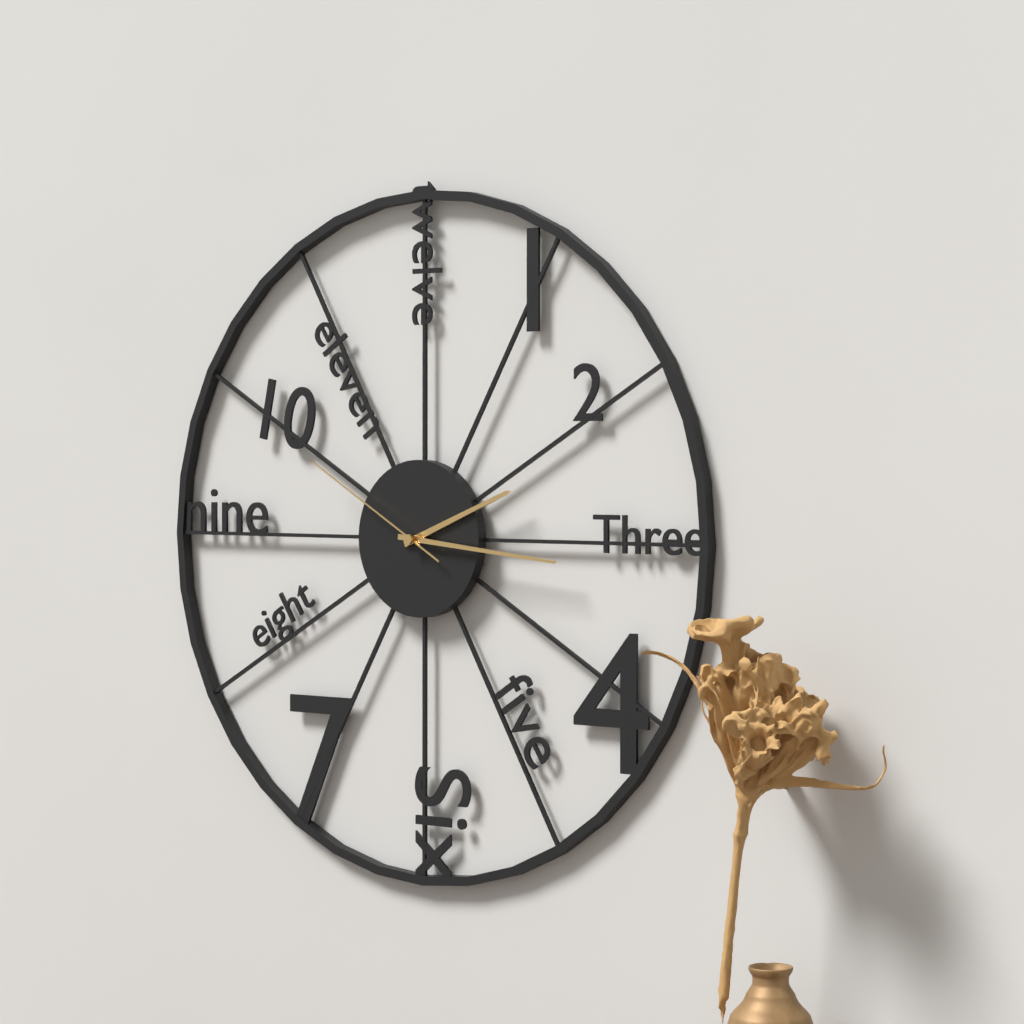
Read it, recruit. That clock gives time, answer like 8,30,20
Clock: 2,16,50
